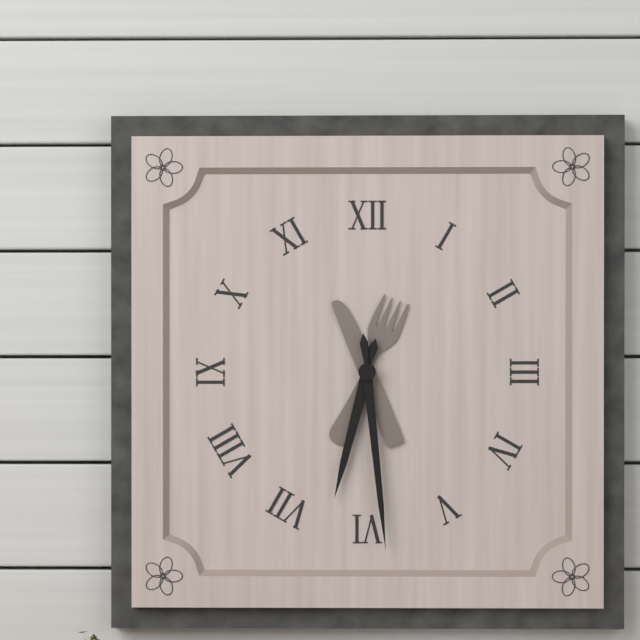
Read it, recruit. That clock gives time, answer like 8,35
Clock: 6,29
